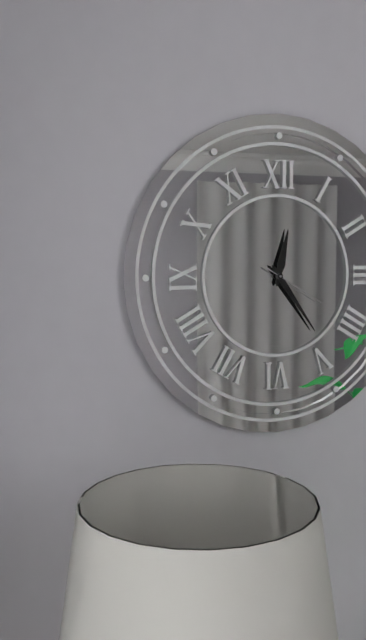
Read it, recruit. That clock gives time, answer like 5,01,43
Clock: 12,24,20
